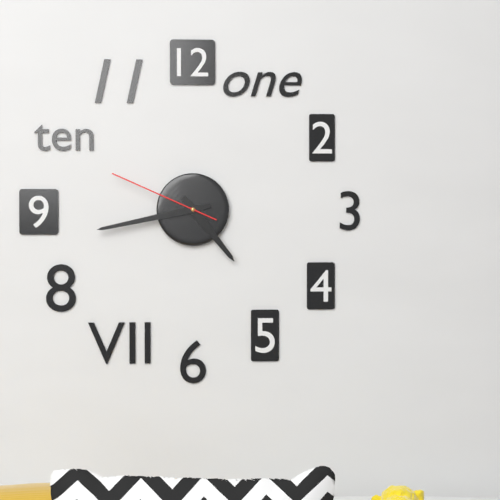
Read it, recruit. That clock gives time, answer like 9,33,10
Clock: 4,43,49
